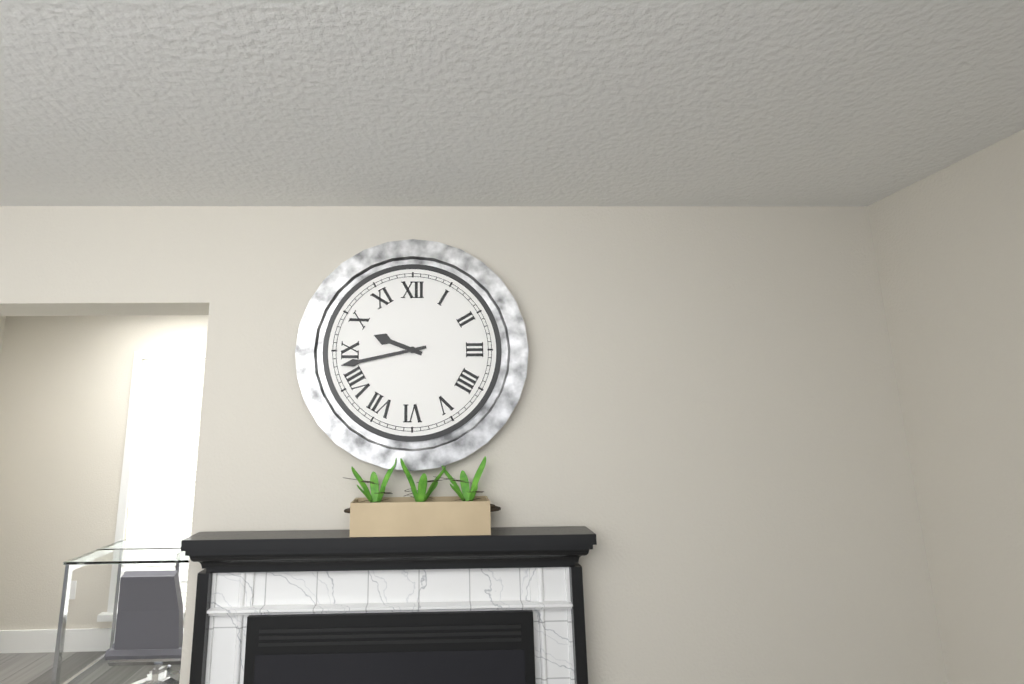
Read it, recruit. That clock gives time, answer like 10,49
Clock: 9,43
